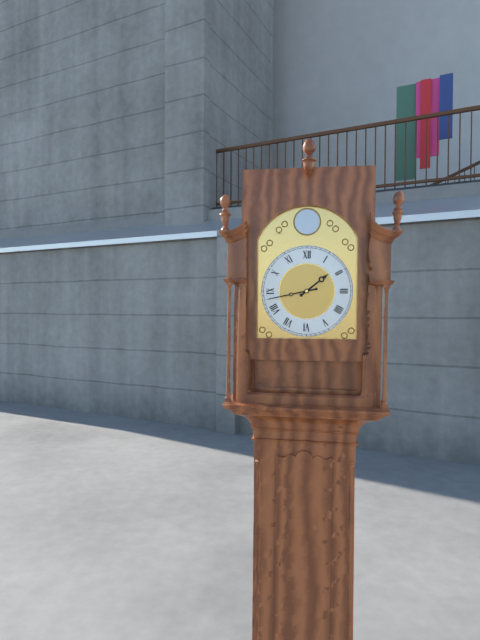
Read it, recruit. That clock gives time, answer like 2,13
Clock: 1,43
